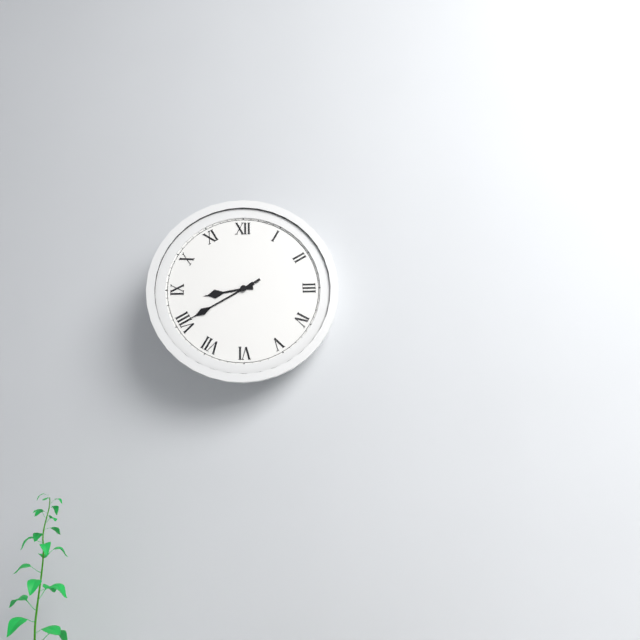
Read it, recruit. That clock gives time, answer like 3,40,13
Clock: 8,40,40
